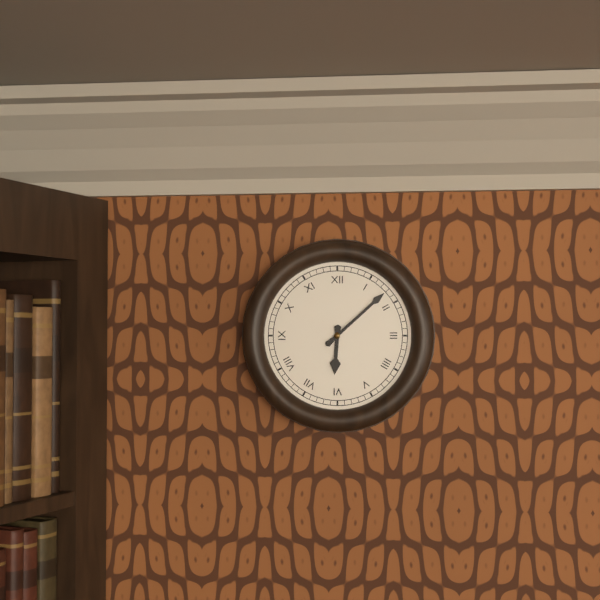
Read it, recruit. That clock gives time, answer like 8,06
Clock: 6,08
